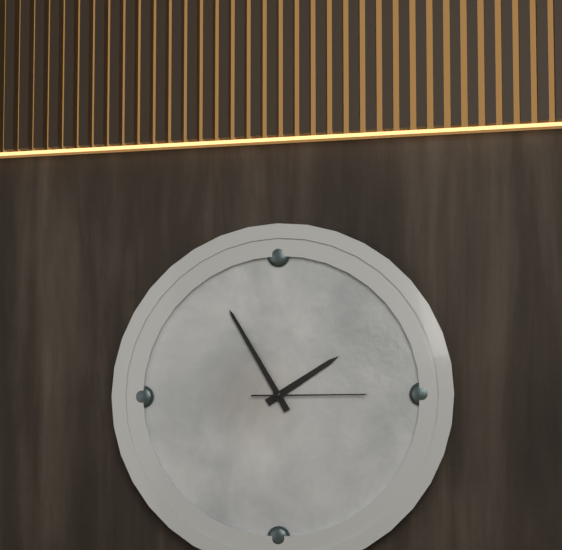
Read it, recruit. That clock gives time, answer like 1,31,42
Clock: 1,55,15
